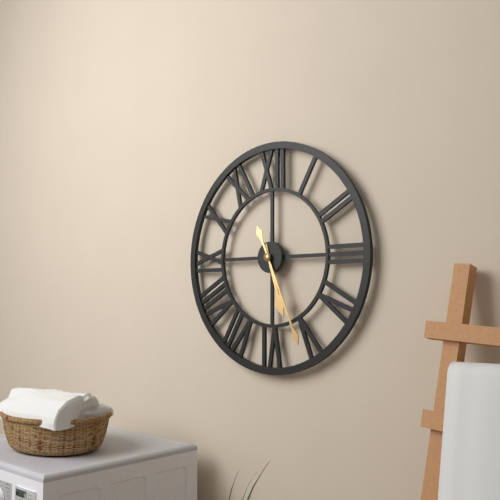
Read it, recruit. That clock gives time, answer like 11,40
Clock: 5,26
